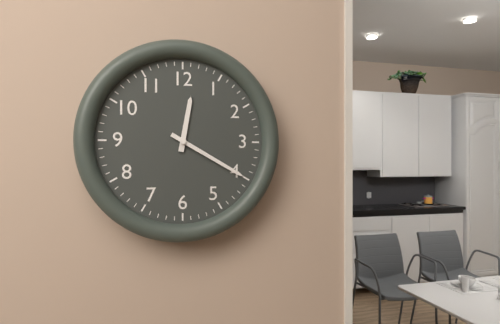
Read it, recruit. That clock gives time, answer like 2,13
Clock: 12,20
